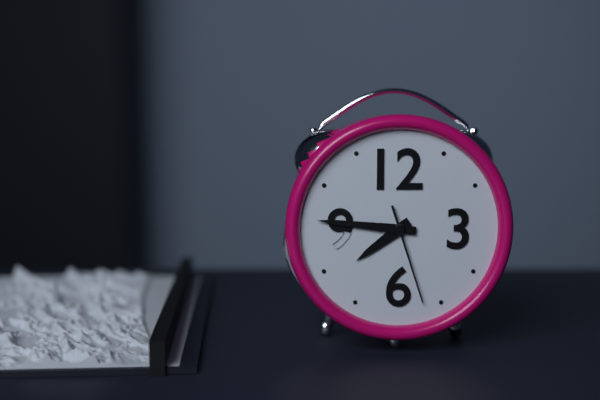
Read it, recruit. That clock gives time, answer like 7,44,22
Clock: 7,46,27
